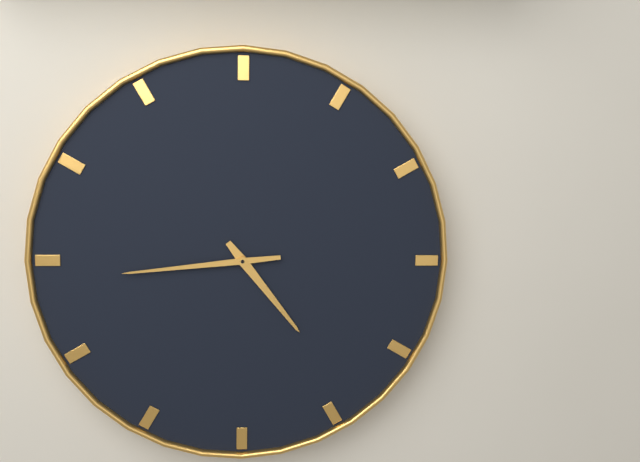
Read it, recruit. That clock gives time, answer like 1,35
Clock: 4,44
